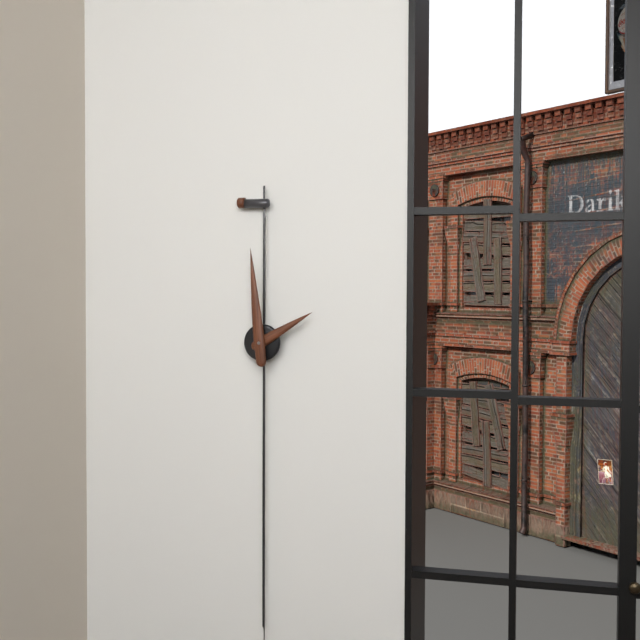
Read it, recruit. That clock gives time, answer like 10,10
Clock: 1,59
